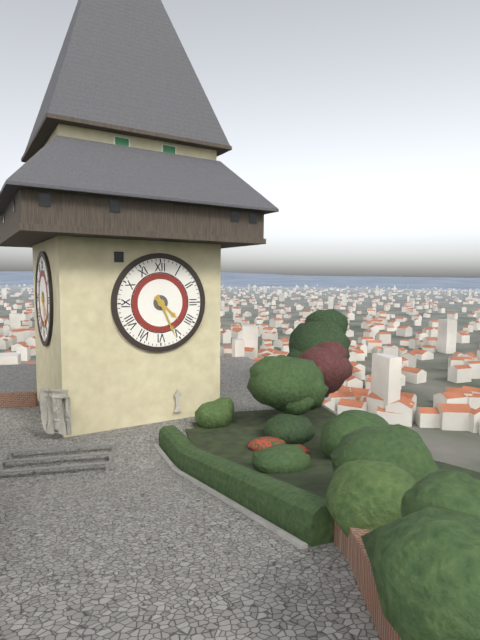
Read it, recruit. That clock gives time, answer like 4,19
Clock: 4,26
